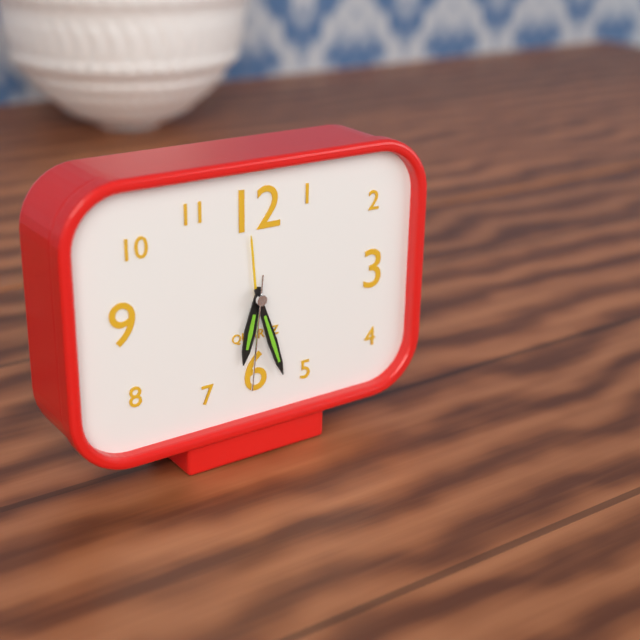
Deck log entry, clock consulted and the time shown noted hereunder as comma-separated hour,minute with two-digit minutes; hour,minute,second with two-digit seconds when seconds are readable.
6,27,31
